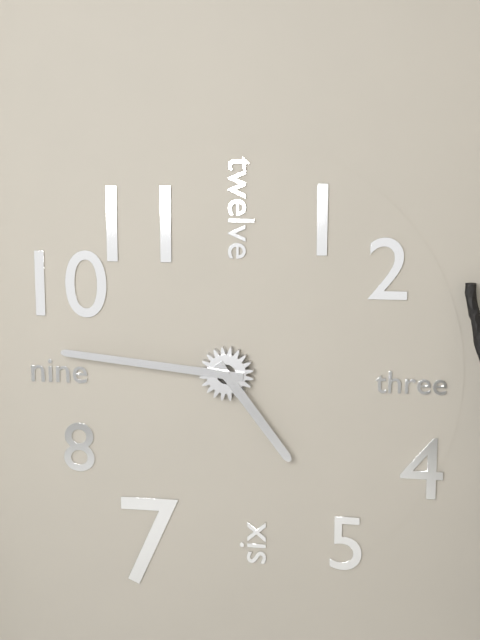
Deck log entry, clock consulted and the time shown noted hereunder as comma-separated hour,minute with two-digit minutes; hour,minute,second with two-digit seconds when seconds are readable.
4,46
